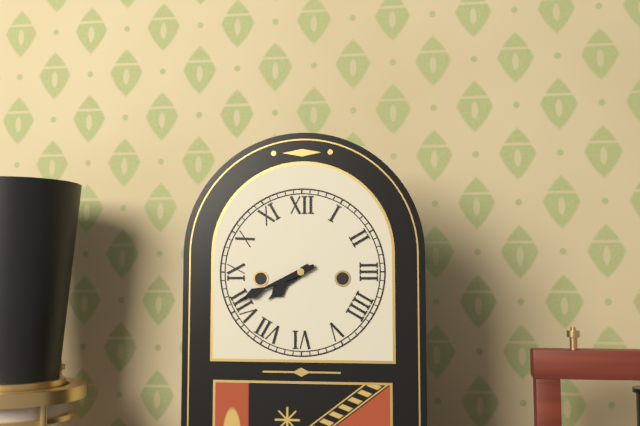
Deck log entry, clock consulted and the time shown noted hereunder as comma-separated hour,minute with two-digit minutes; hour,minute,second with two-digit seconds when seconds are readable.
7,41
